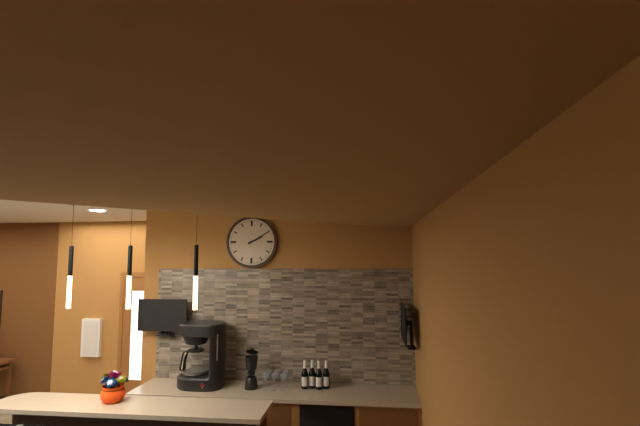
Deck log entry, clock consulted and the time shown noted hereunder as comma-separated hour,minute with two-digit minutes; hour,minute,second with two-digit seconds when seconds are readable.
2,10
